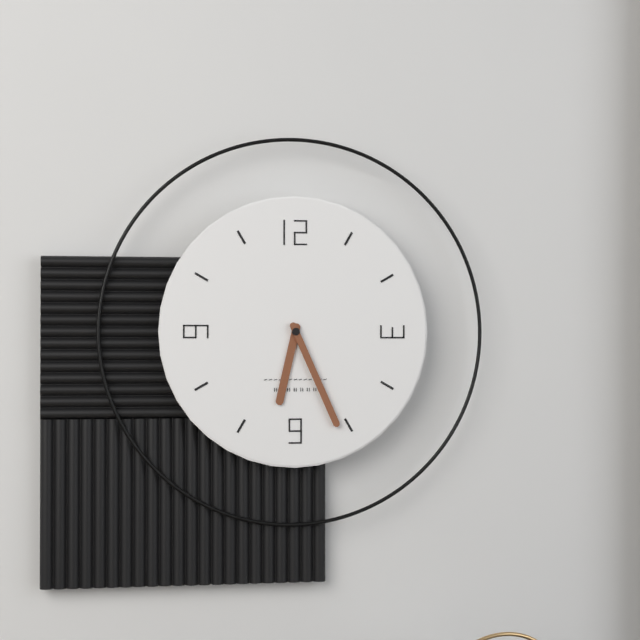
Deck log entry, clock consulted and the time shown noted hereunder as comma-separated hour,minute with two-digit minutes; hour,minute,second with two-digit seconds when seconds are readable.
6,26
